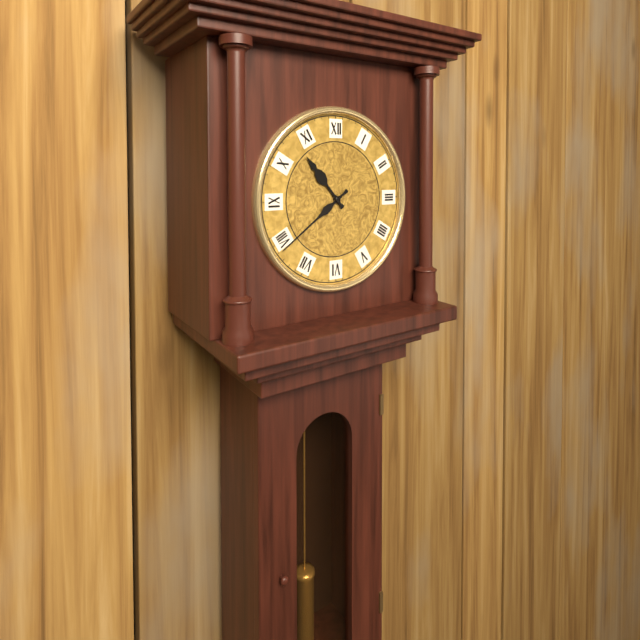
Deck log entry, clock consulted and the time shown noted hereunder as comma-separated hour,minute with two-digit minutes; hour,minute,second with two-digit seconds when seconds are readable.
10,39
